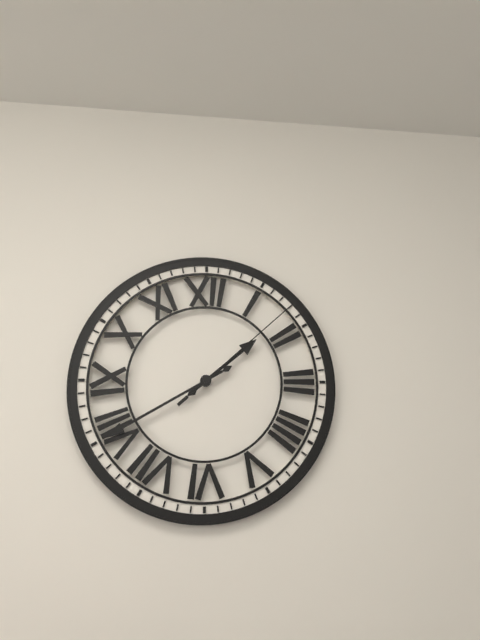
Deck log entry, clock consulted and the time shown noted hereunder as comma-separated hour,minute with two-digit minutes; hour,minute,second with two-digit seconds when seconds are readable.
1,40,08
